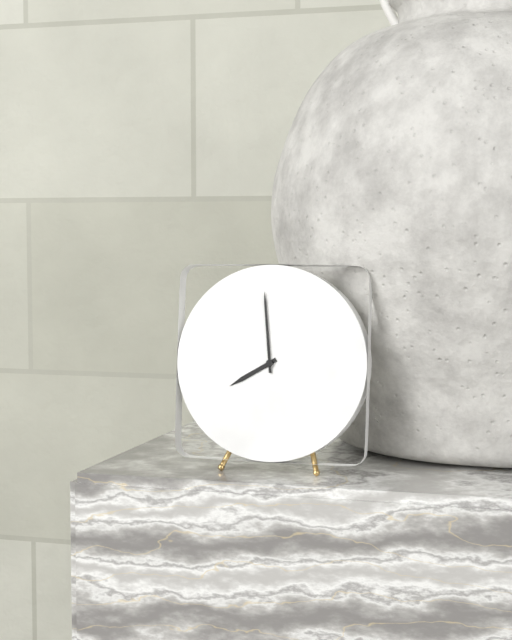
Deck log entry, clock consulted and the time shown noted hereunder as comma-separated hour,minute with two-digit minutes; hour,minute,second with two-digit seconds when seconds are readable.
7,59
